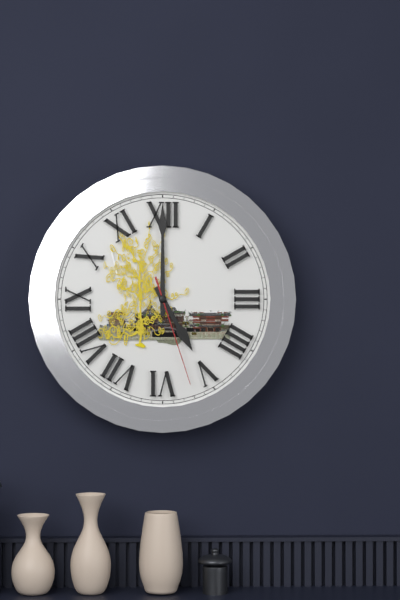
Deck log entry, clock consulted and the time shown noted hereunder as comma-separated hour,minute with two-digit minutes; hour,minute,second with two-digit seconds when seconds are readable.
5,00,27
